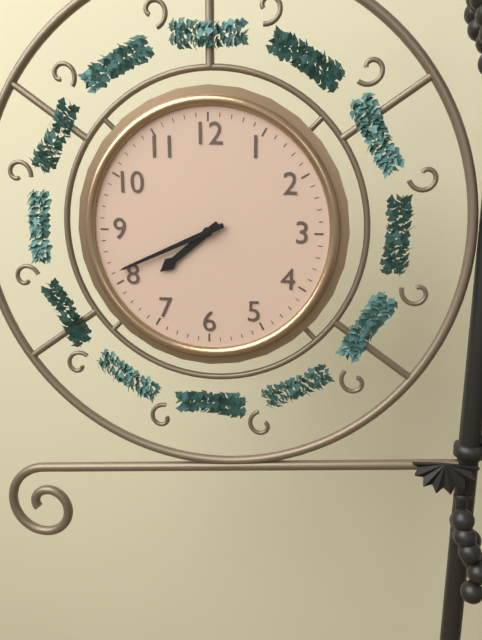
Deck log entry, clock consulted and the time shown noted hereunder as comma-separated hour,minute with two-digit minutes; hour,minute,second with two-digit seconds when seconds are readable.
7,41
